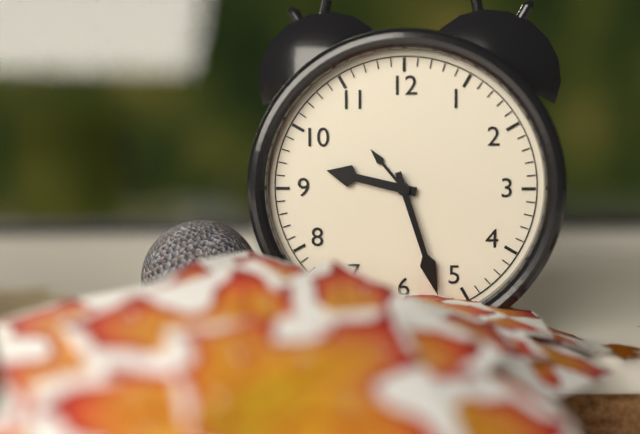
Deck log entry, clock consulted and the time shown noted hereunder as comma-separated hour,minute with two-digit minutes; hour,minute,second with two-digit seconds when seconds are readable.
9,27
